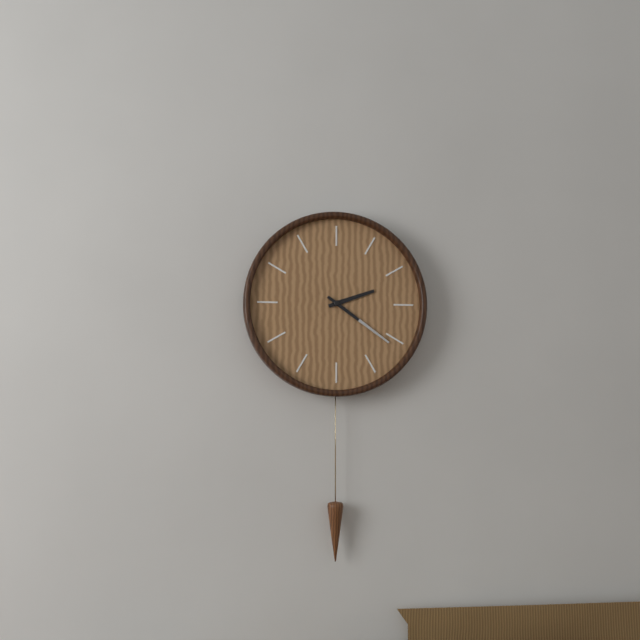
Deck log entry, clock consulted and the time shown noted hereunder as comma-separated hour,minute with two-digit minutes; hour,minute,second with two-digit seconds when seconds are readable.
2,21
